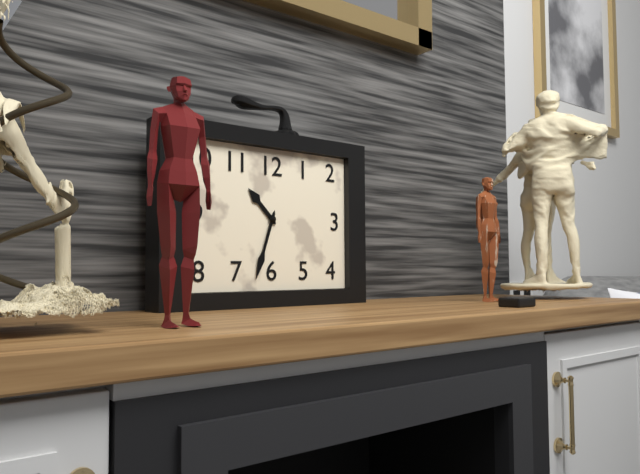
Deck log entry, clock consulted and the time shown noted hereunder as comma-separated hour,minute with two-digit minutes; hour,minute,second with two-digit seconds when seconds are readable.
10,33
